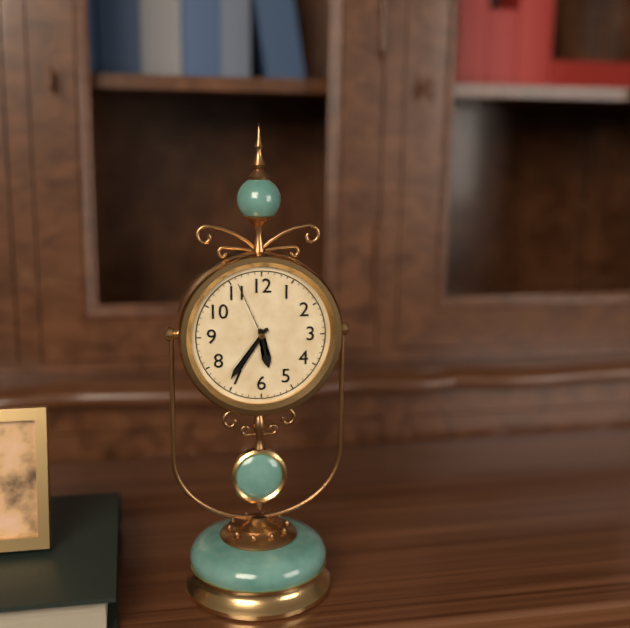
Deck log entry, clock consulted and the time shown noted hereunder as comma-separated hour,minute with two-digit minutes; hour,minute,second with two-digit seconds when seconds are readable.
5,36,56
